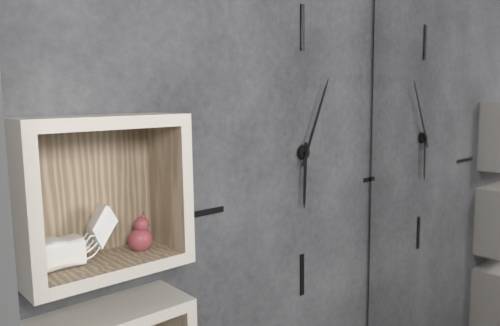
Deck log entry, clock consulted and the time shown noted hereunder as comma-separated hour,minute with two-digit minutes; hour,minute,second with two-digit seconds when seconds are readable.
6,04
